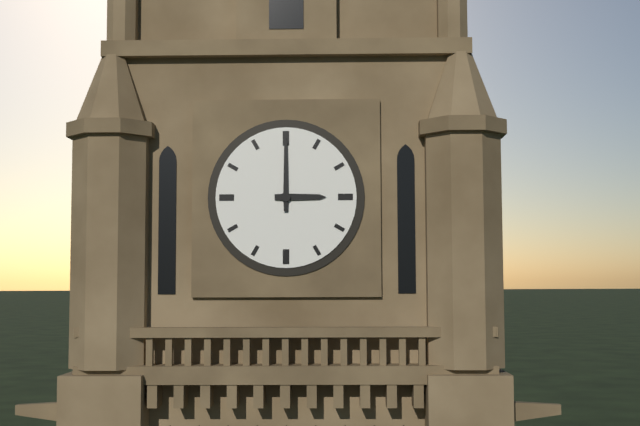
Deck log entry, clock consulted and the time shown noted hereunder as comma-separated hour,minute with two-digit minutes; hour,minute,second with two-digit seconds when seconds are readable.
3,00
